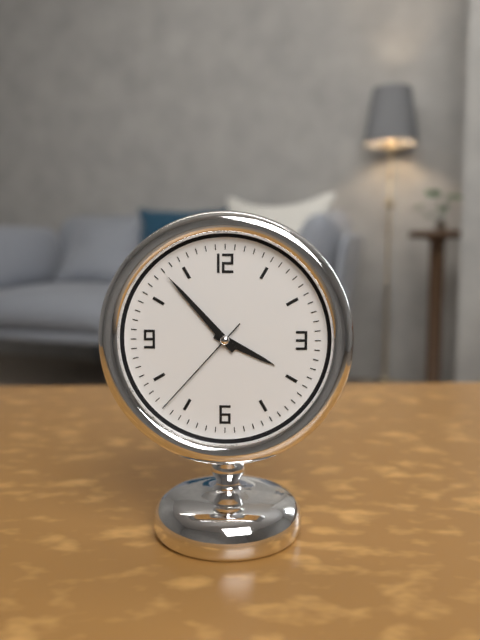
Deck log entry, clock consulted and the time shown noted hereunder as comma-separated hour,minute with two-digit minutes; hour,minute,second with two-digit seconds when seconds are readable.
3,53,37
